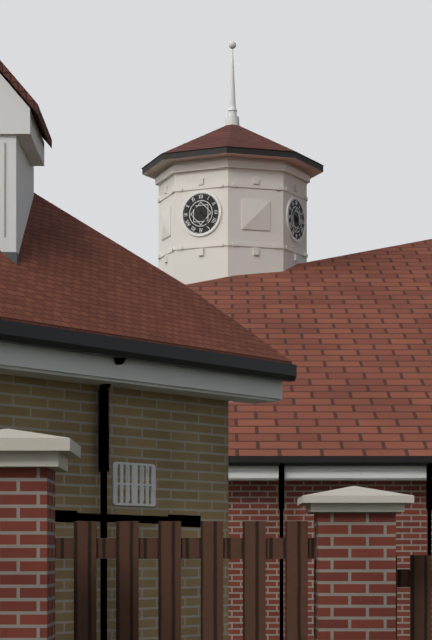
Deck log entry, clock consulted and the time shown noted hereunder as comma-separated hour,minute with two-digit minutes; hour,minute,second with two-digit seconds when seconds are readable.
10,24
